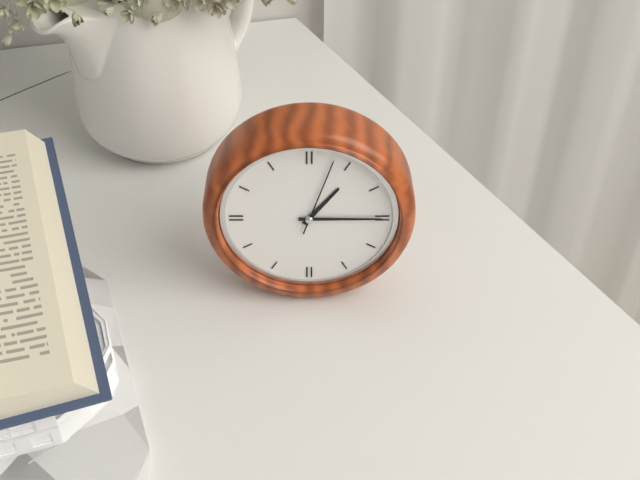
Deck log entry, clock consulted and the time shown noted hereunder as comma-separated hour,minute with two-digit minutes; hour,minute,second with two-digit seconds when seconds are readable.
1,15,03
